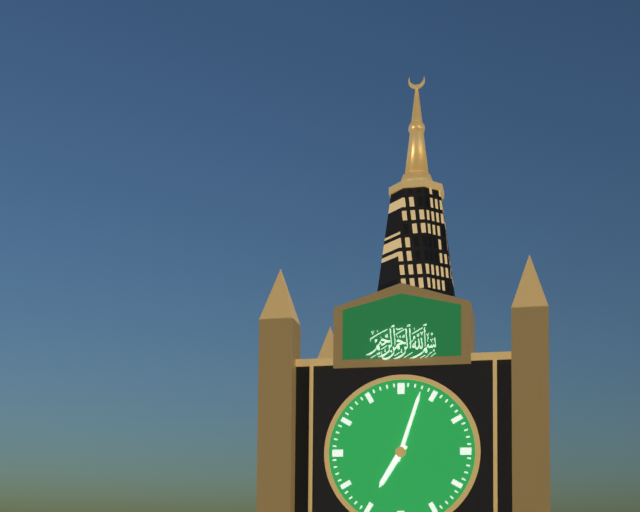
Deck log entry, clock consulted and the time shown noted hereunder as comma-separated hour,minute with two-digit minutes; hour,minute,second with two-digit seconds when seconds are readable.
7,03
